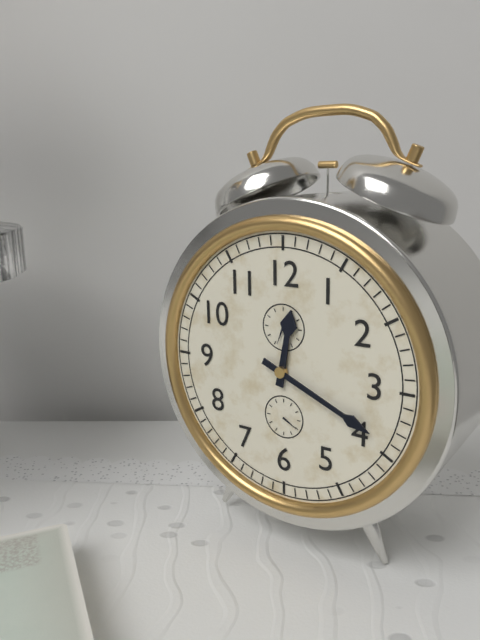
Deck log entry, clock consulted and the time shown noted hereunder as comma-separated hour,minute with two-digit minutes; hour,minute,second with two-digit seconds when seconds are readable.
12,19
